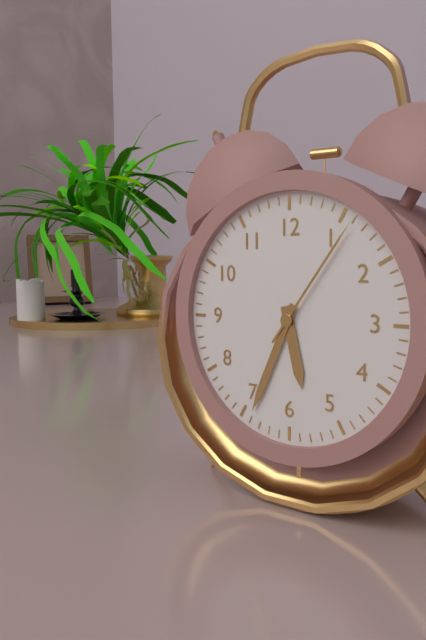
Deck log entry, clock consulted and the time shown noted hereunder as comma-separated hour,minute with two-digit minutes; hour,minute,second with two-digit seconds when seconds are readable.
5,34,06
